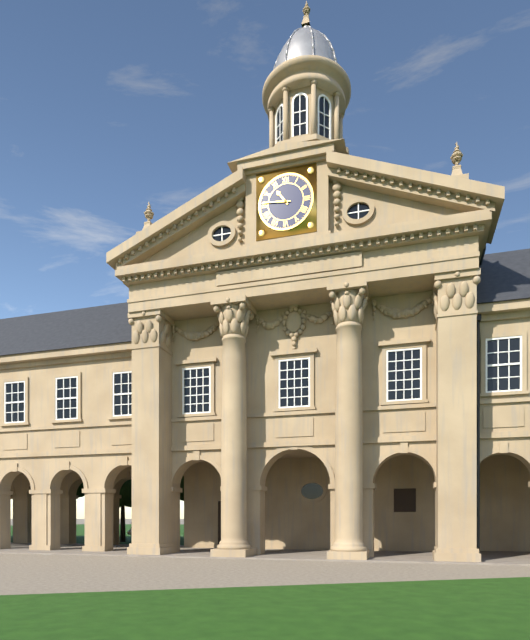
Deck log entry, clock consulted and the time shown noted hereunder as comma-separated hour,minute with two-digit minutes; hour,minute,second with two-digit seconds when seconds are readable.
10,46
